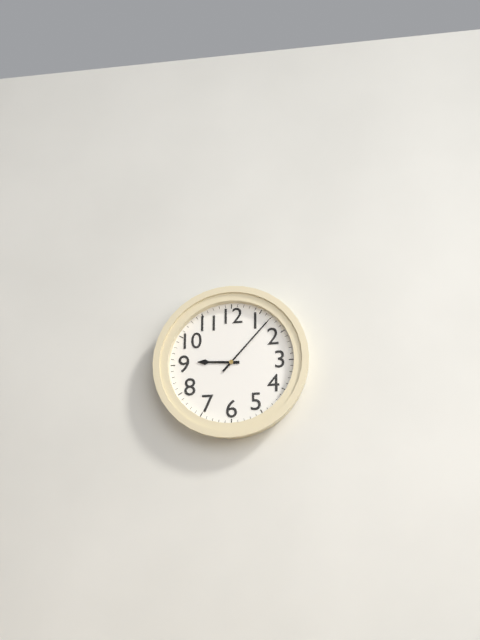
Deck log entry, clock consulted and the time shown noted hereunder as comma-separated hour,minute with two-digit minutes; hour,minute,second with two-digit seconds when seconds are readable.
9,07
